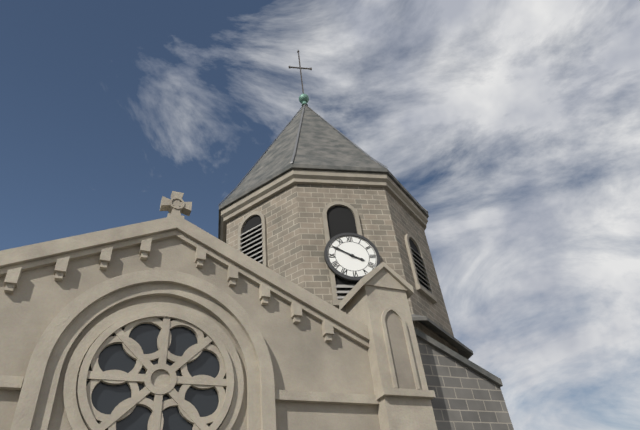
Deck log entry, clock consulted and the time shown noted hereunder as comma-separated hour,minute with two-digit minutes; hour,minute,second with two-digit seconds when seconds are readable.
3,50
